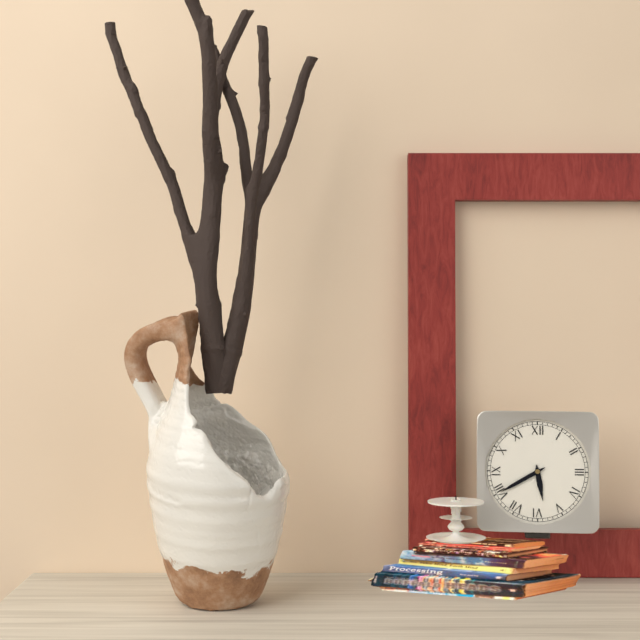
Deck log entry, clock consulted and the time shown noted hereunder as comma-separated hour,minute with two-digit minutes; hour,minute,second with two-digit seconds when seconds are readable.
5,40
